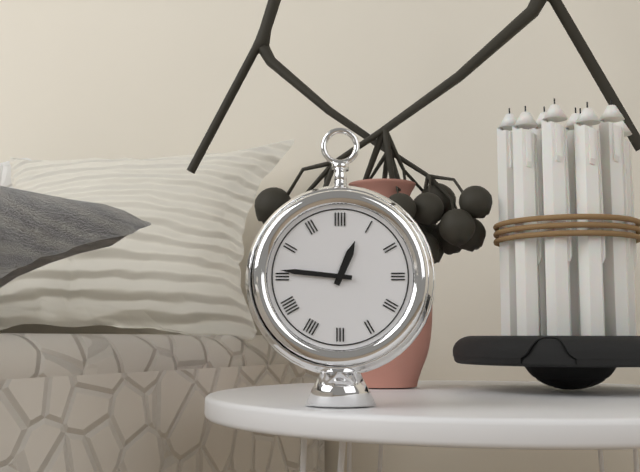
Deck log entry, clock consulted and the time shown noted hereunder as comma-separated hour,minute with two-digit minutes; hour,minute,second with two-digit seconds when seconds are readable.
12,46
